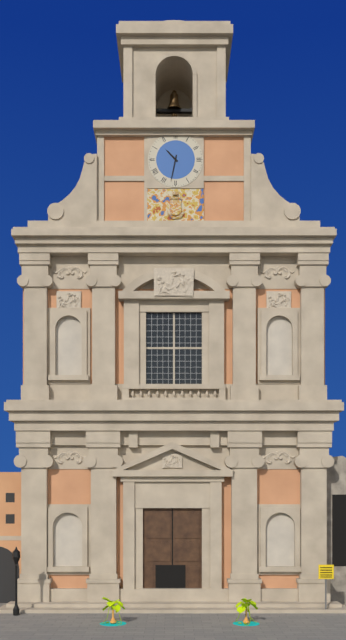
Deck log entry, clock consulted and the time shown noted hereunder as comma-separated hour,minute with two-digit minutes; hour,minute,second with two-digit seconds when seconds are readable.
10,32
